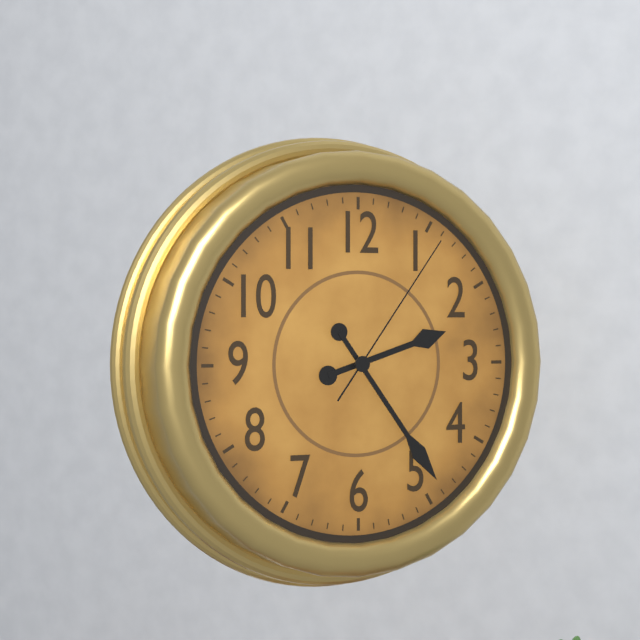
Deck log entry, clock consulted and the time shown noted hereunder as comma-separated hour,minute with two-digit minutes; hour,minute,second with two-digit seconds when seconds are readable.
2,24,06
